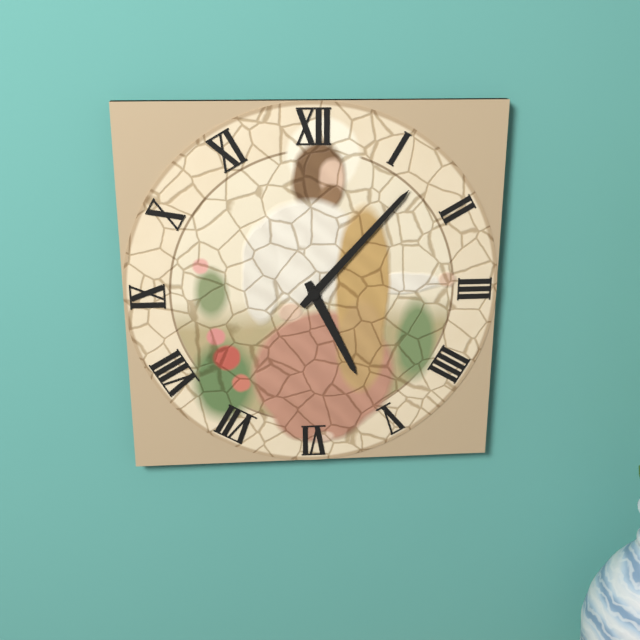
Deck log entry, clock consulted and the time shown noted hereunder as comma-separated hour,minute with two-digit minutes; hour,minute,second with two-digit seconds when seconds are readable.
5,07
